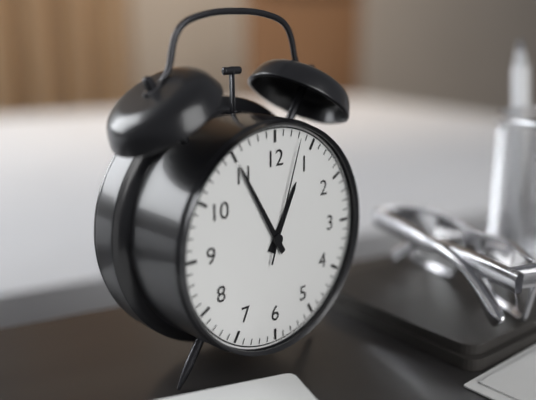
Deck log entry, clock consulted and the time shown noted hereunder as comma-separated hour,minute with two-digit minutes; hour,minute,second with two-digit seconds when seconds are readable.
12,55,03
